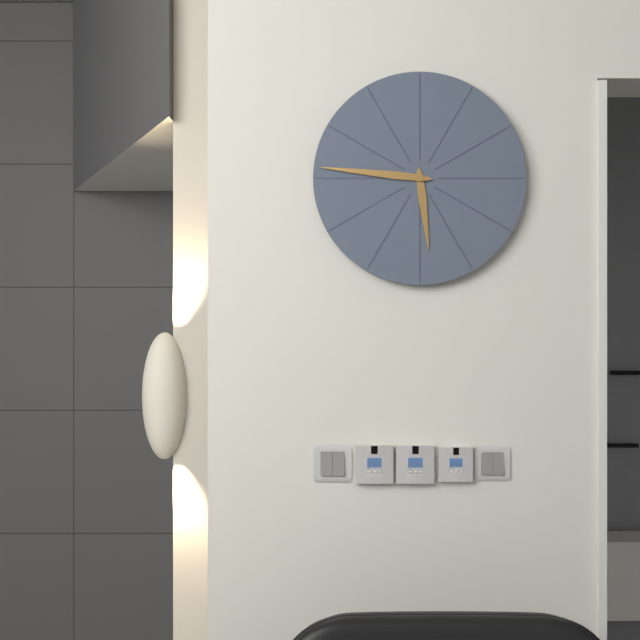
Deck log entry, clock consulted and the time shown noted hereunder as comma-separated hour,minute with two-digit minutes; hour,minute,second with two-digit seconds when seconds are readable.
5,46
